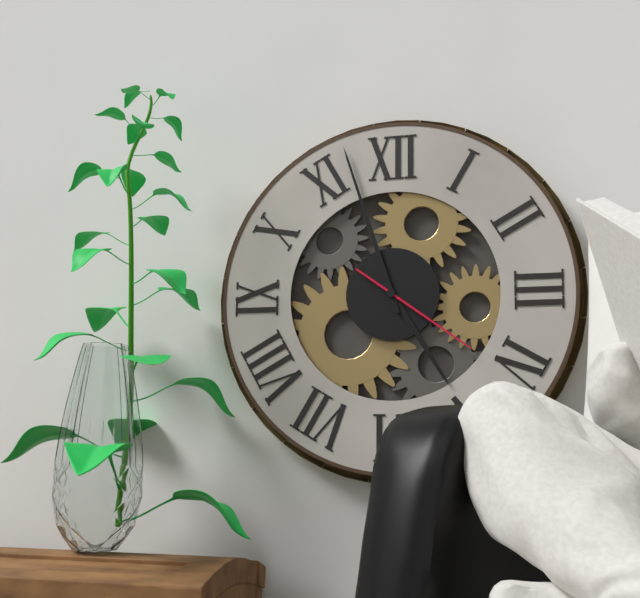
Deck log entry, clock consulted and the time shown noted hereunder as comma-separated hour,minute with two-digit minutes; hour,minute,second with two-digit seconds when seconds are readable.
4,57,21
